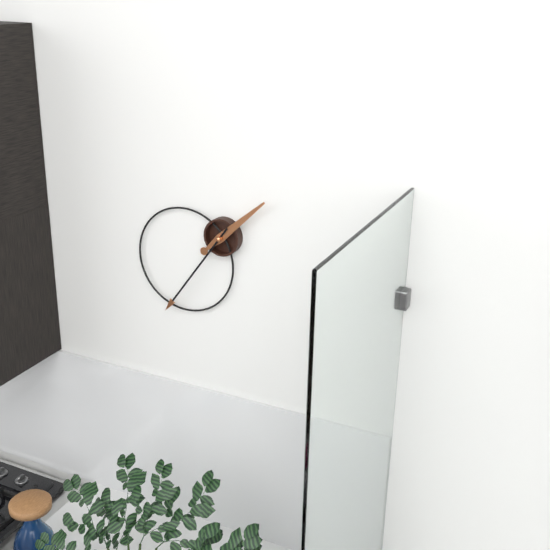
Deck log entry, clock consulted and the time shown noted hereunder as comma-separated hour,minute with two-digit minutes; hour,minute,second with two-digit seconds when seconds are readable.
1,36
